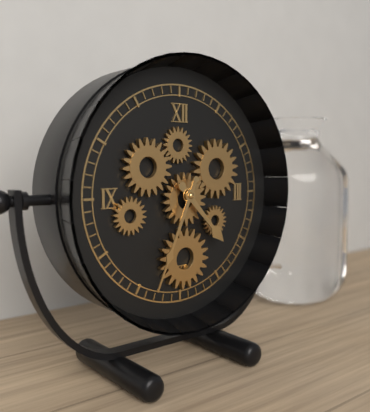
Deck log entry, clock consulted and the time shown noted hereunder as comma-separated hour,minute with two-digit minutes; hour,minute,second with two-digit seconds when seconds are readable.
4,34
